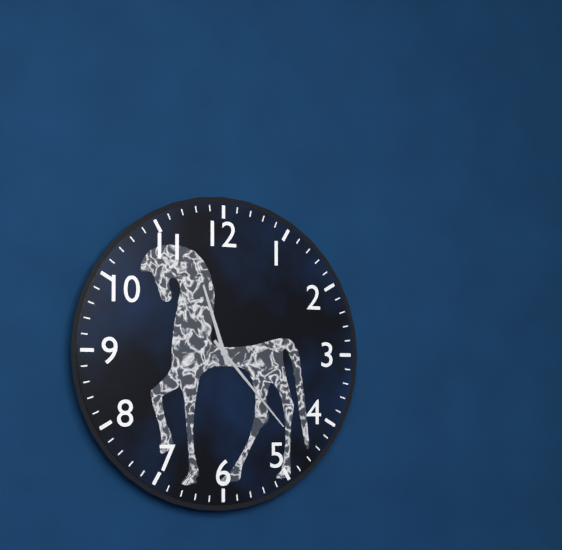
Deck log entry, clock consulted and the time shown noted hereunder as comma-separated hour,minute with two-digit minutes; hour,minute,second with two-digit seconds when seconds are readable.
11,23
